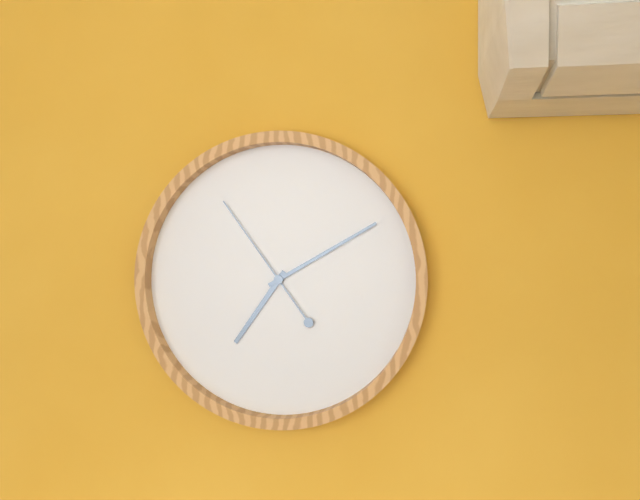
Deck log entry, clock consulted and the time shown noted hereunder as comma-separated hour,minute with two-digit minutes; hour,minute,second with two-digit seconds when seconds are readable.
7,10,54
